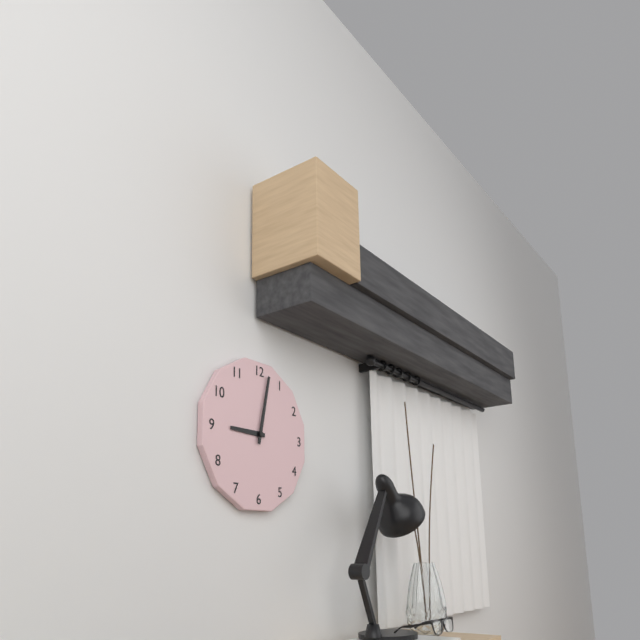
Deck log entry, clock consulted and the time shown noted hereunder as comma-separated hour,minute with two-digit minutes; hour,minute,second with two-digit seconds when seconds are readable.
9,02
